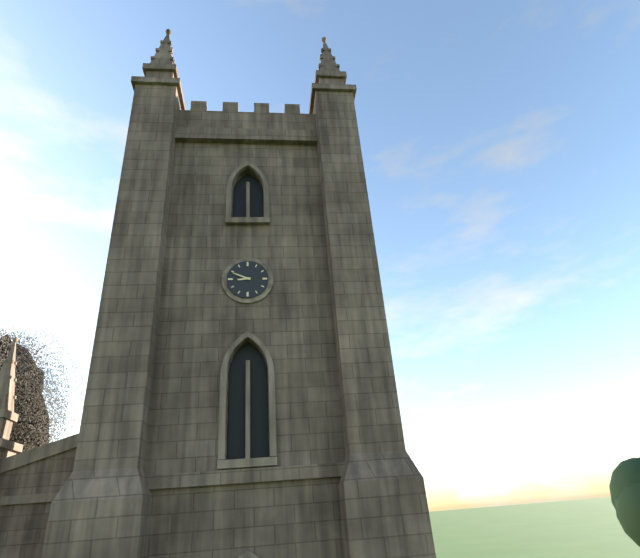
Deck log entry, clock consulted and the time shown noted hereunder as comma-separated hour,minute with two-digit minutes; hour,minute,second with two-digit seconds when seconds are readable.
8,49
